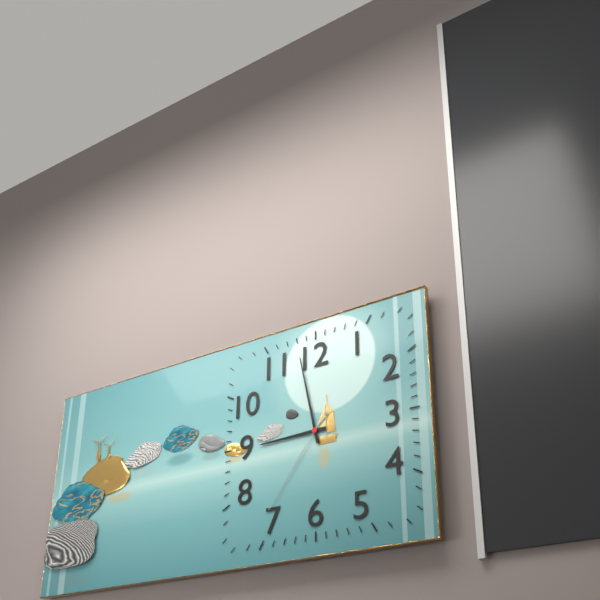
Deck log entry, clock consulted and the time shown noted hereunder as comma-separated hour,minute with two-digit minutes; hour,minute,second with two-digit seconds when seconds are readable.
8,58,36
